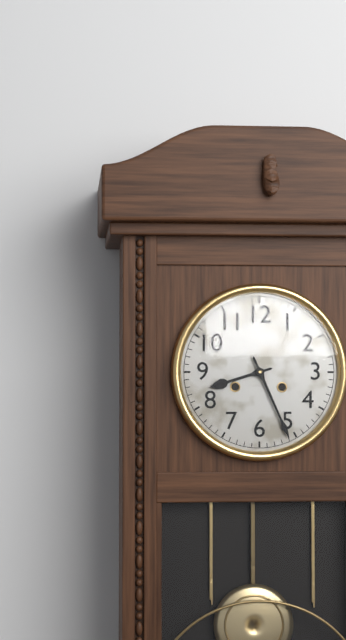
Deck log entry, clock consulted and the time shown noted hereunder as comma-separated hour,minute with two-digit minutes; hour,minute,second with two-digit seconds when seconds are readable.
8,26
